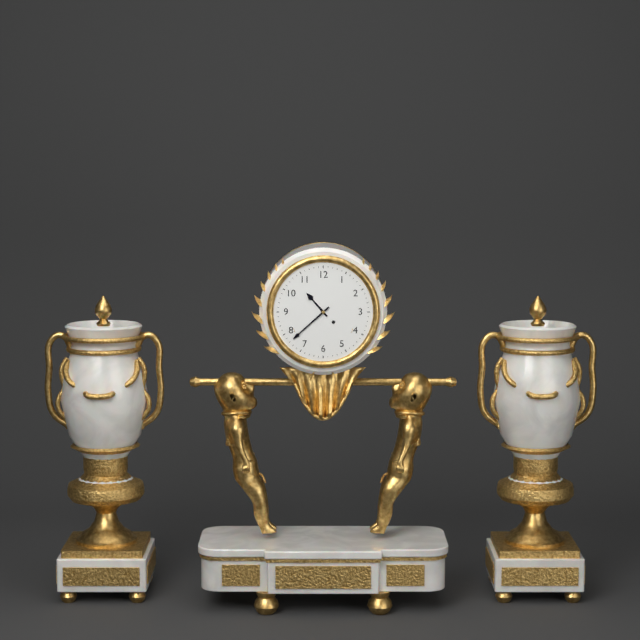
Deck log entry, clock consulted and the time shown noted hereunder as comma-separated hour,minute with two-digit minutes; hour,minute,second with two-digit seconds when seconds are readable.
10,38
